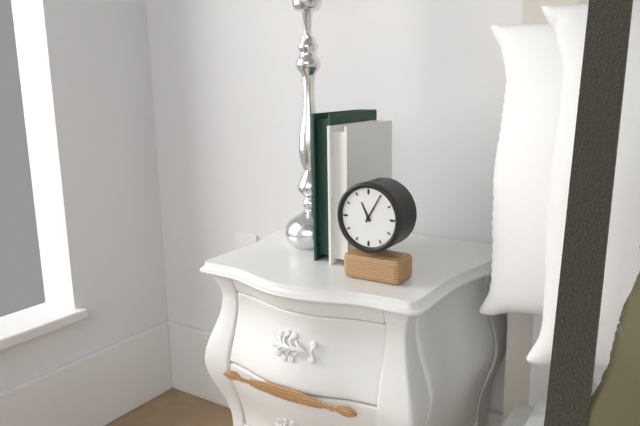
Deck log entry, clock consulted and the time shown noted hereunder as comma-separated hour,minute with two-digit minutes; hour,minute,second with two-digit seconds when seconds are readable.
11,05
